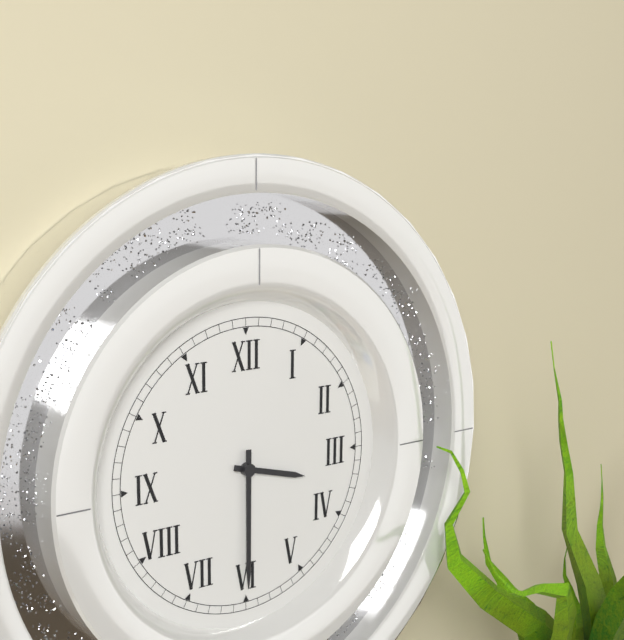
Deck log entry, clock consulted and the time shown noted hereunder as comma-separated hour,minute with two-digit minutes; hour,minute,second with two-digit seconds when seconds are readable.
3,30
